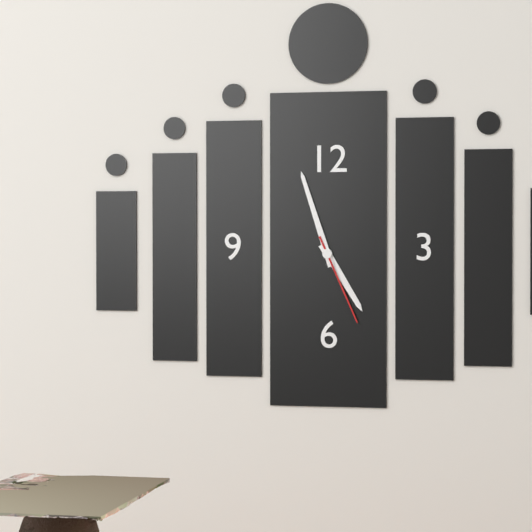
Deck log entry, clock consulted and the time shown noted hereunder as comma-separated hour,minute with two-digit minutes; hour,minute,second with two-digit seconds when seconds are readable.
4,57,26
